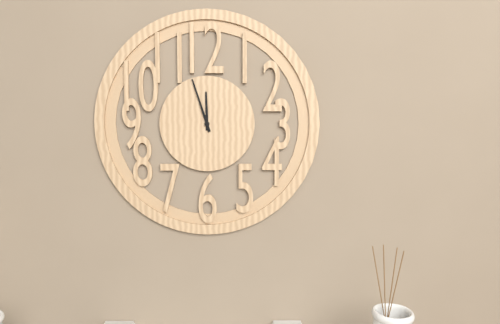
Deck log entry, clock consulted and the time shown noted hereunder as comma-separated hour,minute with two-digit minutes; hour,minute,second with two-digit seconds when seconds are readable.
11,57
